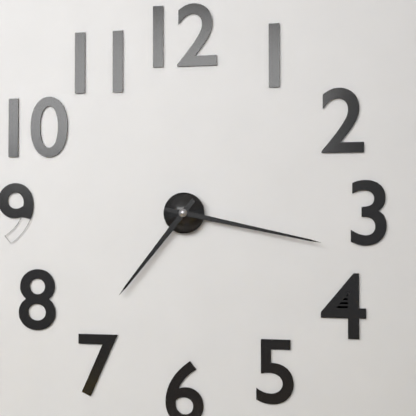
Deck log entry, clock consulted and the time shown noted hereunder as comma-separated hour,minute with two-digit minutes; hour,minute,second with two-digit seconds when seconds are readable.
7,17
